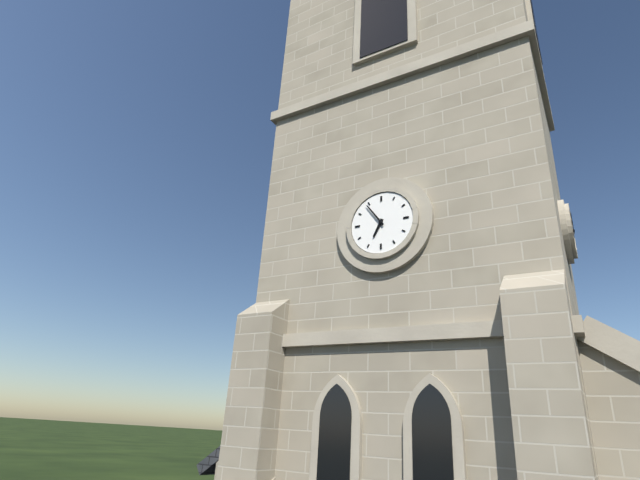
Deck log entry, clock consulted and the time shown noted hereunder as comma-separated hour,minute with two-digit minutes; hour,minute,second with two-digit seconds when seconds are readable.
6,54
